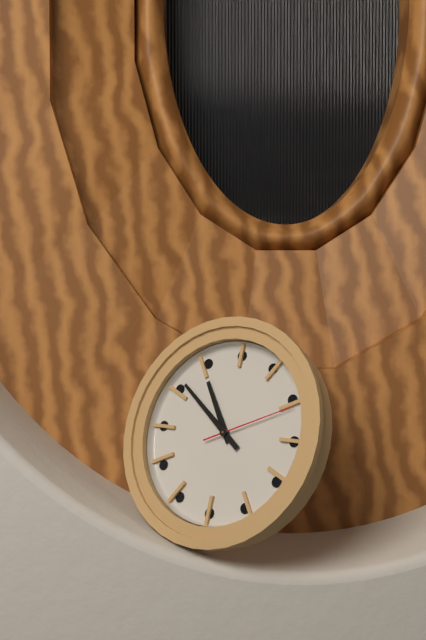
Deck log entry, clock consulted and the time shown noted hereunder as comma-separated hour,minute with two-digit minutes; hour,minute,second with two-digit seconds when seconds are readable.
10,51,11
